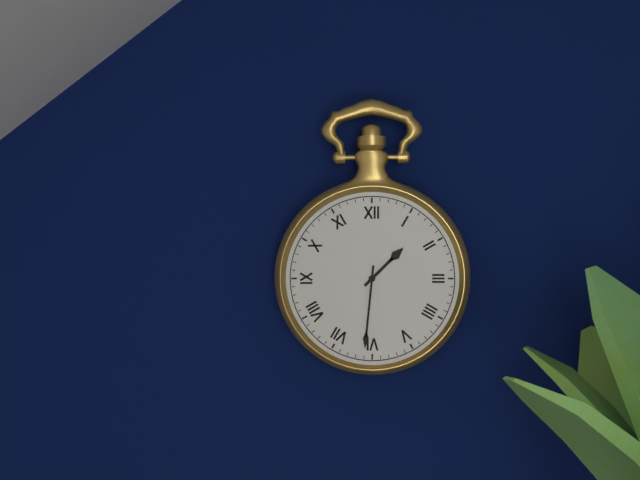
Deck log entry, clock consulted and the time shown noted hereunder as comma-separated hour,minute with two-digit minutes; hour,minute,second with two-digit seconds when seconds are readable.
1,31
